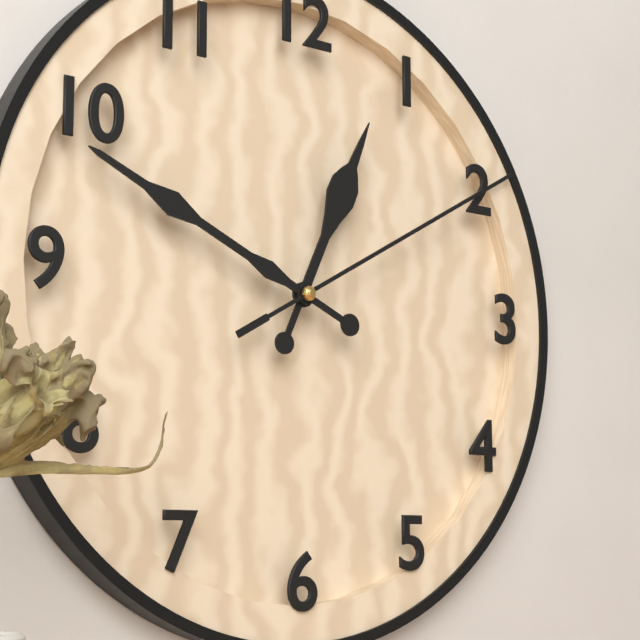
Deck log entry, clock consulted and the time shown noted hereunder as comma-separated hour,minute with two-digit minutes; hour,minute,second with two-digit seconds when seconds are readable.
12,49,10
